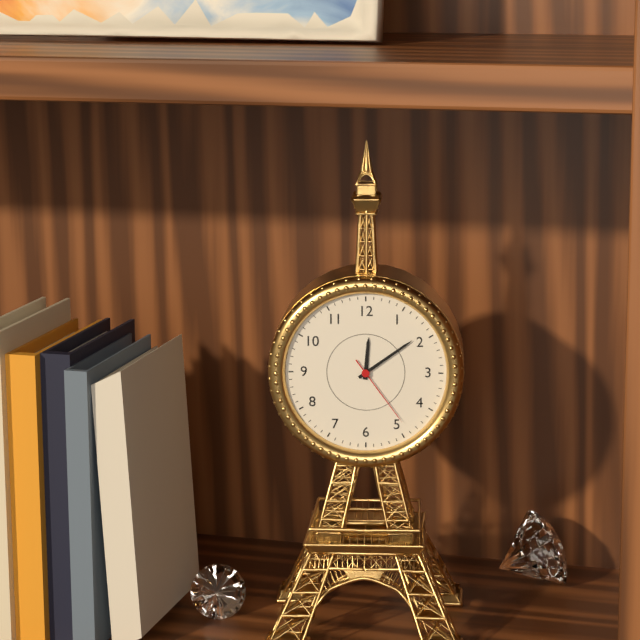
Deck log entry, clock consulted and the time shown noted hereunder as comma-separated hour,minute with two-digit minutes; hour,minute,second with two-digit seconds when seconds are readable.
12,09,24
